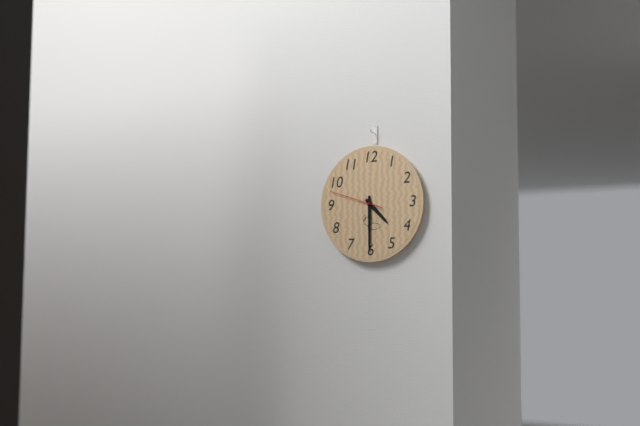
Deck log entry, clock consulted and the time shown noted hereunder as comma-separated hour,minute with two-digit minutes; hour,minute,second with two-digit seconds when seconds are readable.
4,30,48
